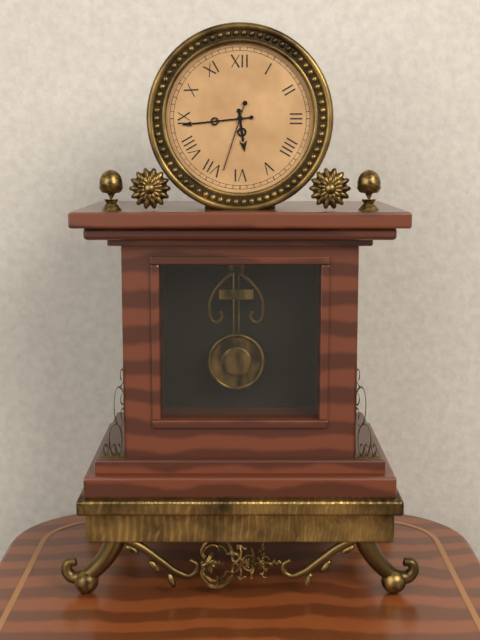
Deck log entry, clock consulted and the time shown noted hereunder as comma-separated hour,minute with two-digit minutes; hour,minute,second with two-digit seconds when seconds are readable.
5,44,33
